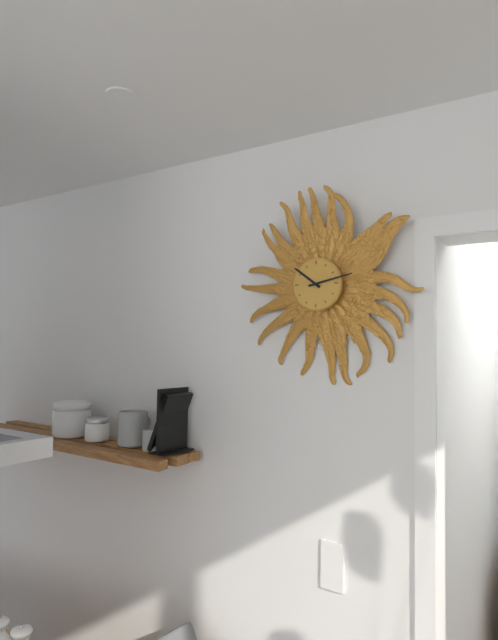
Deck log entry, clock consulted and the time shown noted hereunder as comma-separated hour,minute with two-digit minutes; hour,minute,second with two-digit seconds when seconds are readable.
10,13
